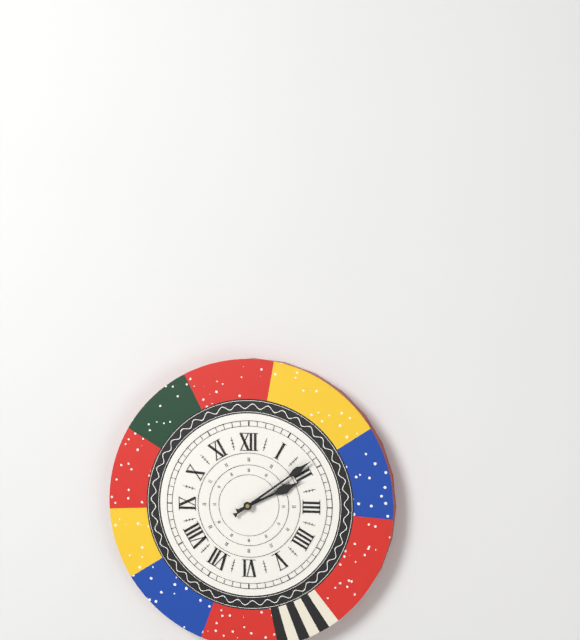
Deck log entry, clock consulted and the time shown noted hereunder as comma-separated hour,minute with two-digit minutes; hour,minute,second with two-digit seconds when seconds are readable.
2,09
